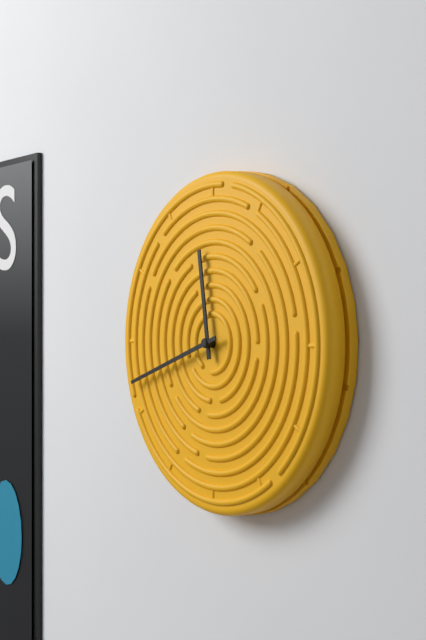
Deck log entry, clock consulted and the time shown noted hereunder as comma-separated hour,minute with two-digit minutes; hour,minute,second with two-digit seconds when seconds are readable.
11,42
